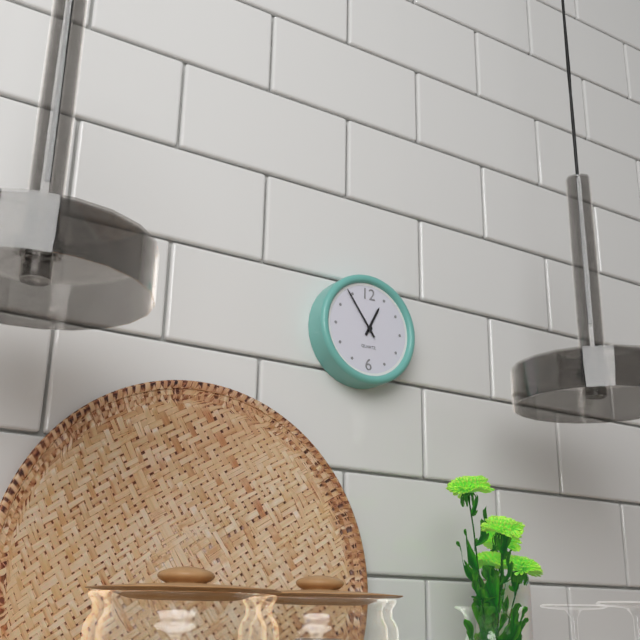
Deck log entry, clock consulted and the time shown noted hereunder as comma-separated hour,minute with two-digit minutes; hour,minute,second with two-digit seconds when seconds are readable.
12,54
